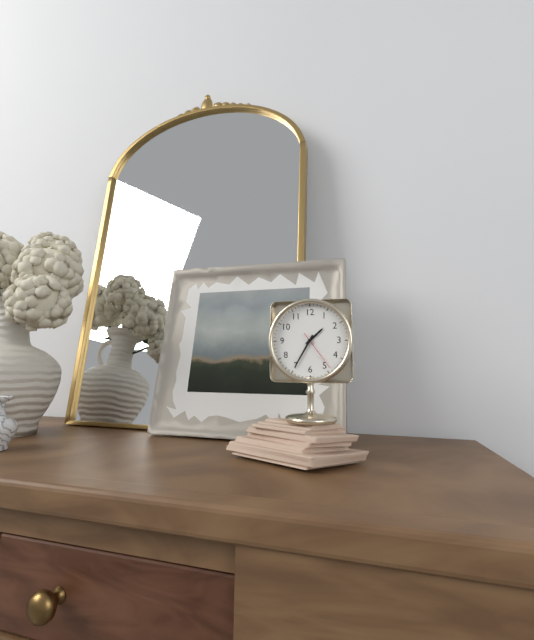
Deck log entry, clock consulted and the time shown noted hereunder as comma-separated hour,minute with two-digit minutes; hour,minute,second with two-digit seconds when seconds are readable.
1,35
